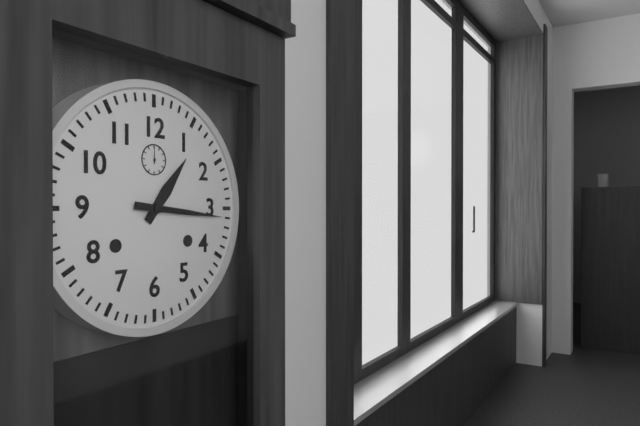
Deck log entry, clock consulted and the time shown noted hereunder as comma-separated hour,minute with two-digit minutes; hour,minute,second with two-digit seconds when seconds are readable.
1,16
